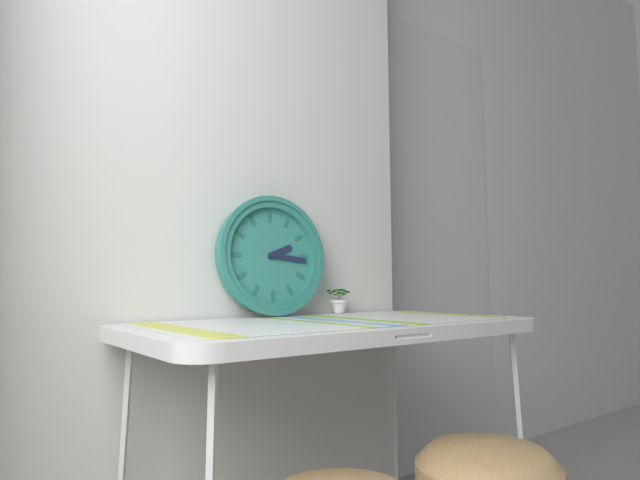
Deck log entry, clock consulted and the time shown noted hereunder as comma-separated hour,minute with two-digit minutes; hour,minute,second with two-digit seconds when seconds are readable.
2,16
